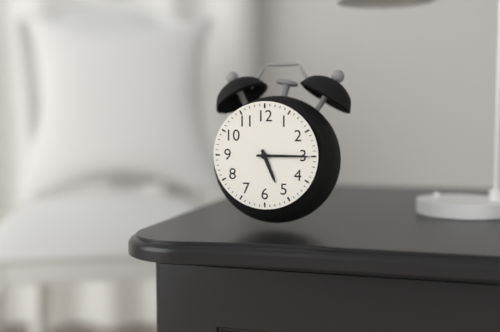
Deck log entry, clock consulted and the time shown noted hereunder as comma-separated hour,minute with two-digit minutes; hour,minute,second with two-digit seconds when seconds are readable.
5,15
